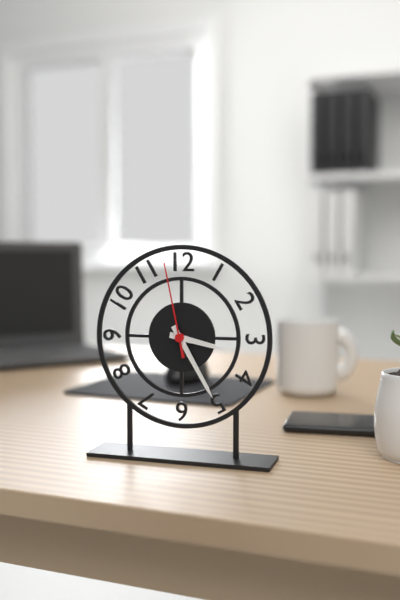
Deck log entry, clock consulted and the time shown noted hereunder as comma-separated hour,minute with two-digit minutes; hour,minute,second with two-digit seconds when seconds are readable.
3,25,58
